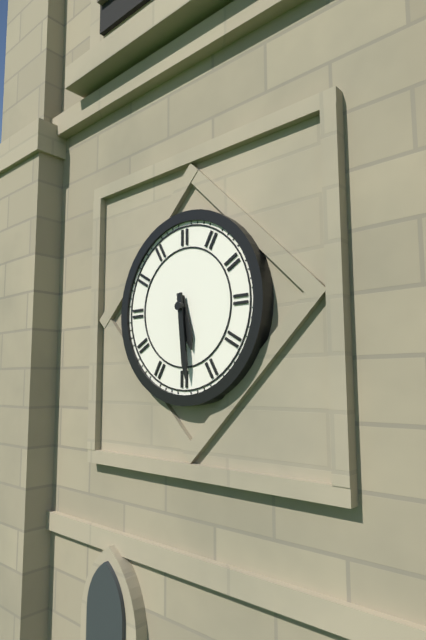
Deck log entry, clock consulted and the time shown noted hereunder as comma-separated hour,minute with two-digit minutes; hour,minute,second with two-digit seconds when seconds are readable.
5,29
